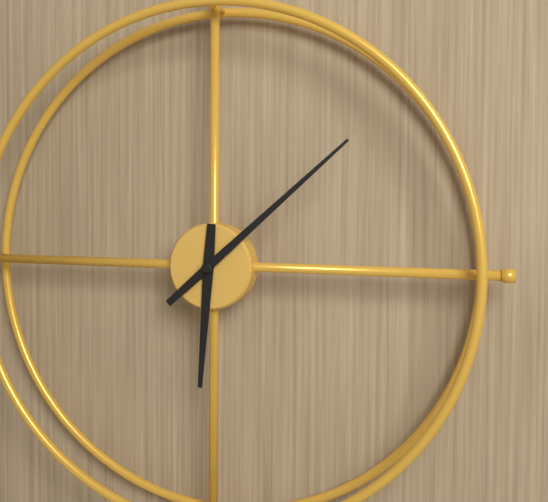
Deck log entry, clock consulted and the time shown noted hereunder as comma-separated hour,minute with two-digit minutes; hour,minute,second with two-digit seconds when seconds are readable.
6,08
